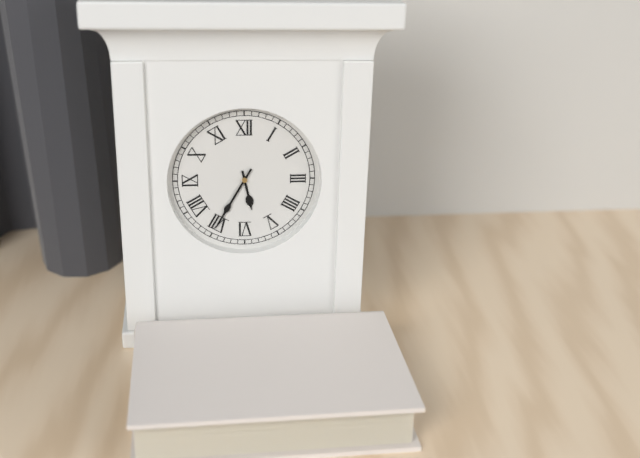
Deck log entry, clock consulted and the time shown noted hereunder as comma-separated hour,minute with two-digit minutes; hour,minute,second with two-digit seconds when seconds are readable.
5,35
